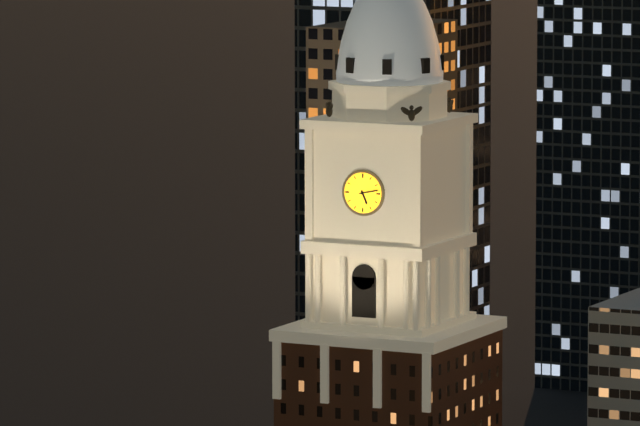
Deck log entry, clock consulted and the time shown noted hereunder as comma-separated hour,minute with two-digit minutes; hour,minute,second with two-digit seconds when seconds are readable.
5,13
